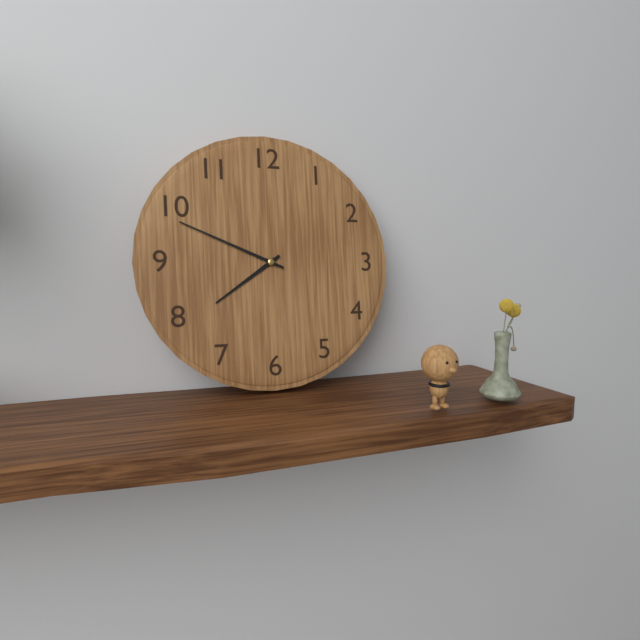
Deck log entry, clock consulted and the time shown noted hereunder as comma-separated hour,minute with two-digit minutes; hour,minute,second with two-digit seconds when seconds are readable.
7,49
